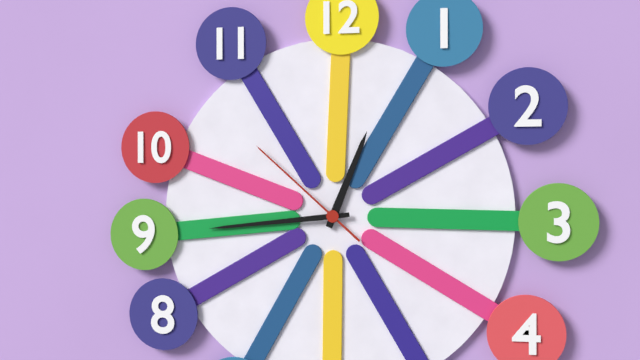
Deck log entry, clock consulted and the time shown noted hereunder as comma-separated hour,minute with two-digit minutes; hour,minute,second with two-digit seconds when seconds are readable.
12,44,52
